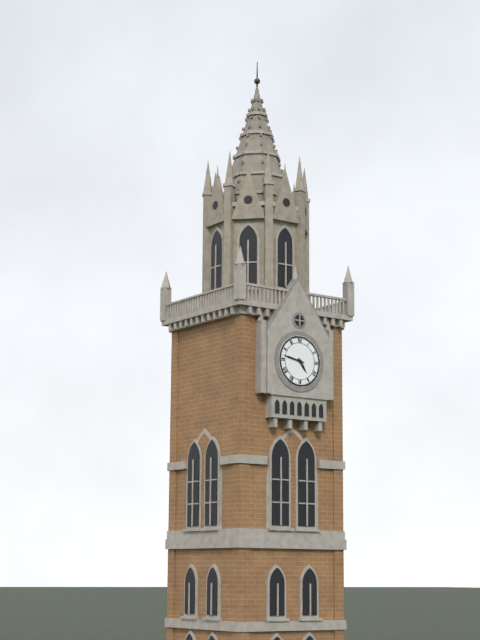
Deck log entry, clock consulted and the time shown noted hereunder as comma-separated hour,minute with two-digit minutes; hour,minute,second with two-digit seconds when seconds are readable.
4,47
